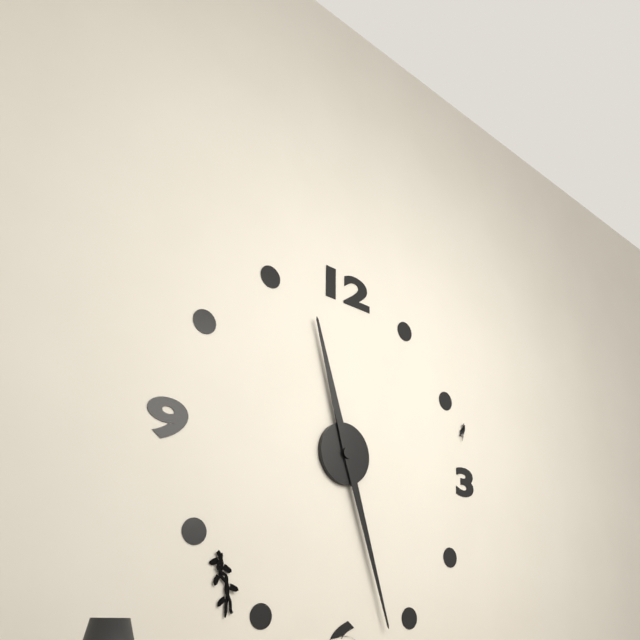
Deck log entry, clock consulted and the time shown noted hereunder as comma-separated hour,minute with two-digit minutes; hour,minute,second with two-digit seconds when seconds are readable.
11,27
